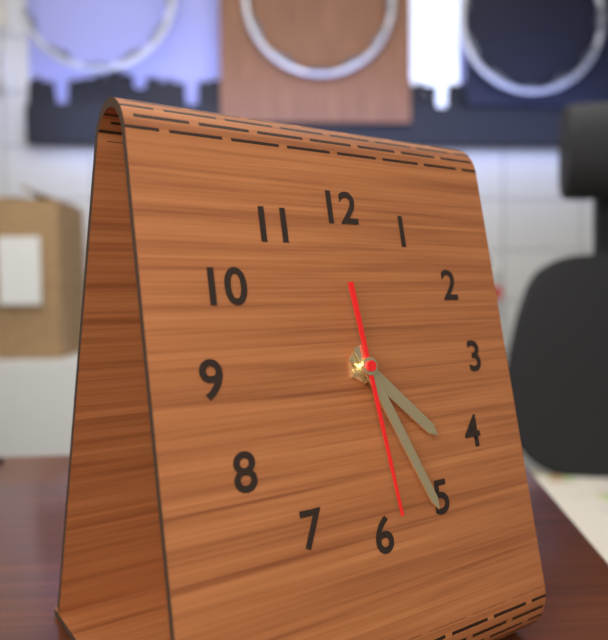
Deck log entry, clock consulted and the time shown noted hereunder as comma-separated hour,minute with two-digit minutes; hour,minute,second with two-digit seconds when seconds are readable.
4,26,29
